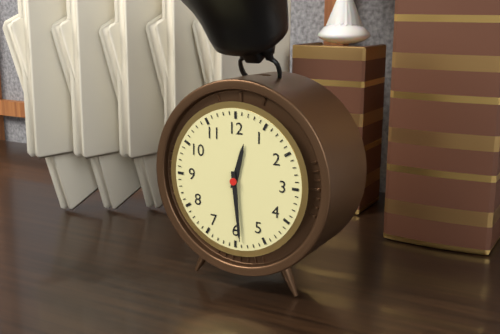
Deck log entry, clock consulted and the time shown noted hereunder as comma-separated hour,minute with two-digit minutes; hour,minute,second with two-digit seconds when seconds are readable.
12,29
